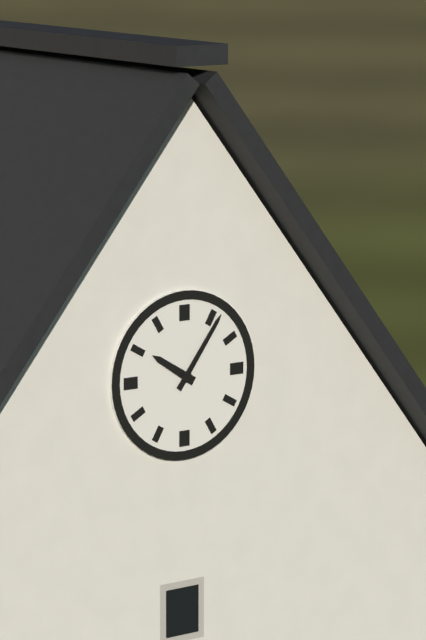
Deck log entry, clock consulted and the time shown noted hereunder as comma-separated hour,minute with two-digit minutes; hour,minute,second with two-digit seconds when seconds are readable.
10,06
